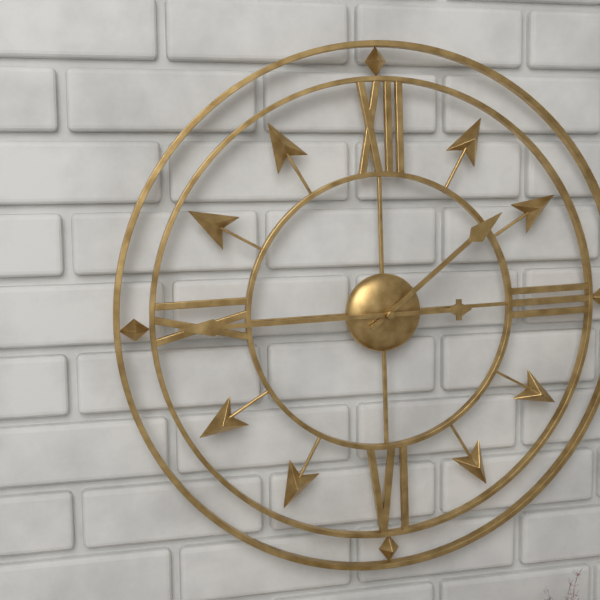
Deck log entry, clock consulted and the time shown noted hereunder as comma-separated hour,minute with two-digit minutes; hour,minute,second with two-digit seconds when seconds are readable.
1,45
